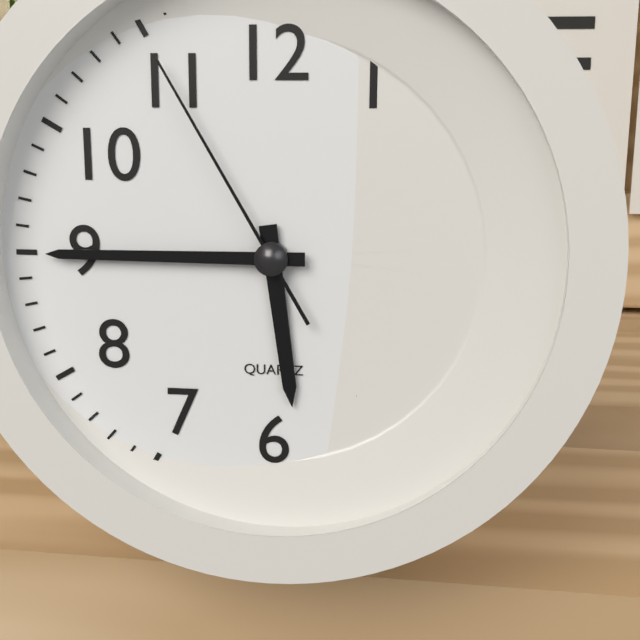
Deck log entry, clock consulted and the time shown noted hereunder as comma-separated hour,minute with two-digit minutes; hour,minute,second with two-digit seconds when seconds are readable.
5,45,55
